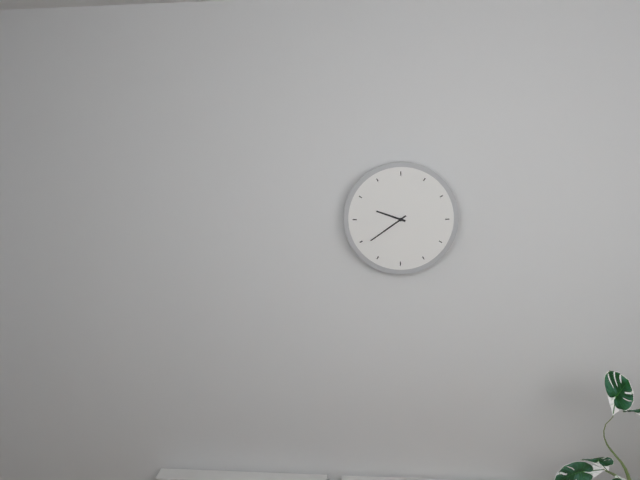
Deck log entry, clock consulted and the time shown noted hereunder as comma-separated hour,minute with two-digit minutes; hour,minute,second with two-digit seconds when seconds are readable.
9,39
